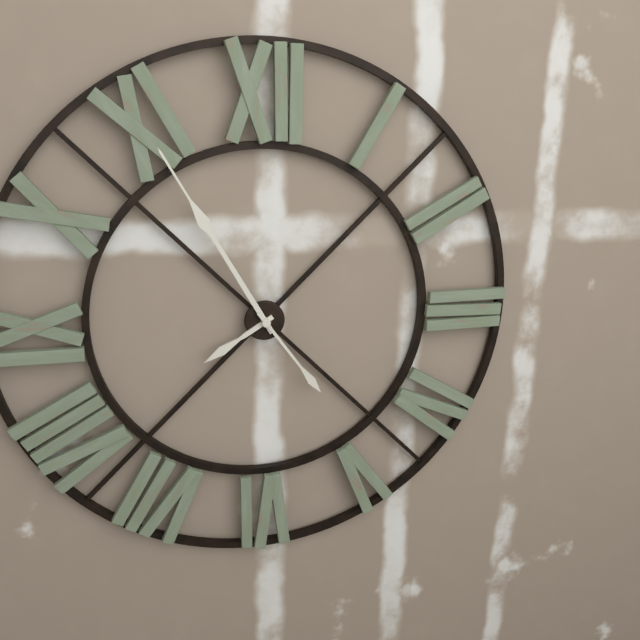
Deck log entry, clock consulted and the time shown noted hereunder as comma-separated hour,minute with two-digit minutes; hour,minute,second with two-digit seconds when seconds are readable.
7,55,24
